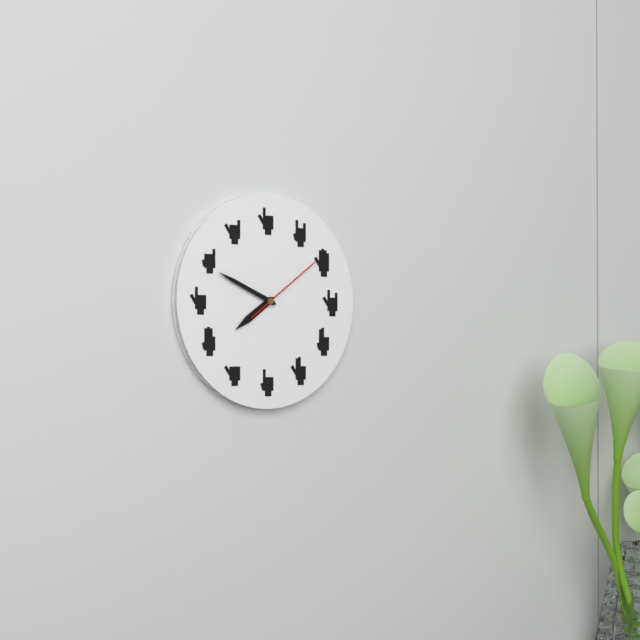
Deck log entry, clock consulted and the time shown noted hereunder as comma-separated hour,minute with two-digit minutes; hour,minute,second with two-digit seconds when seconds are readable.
7,49,09
